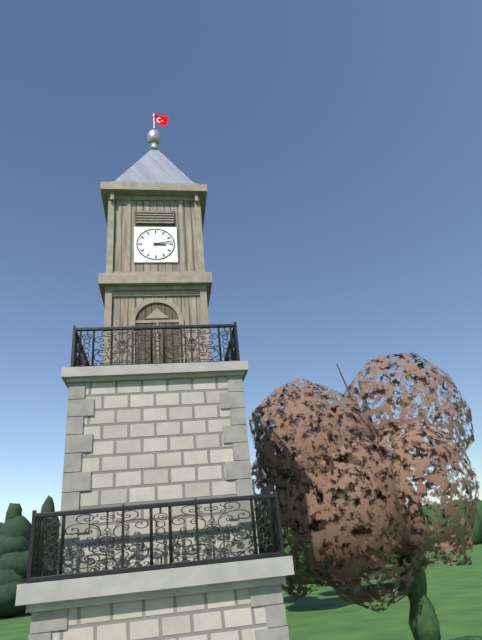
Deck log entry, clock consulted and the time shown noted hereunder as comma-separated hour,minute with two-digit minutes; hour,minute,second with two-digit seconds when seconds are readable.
3,13
